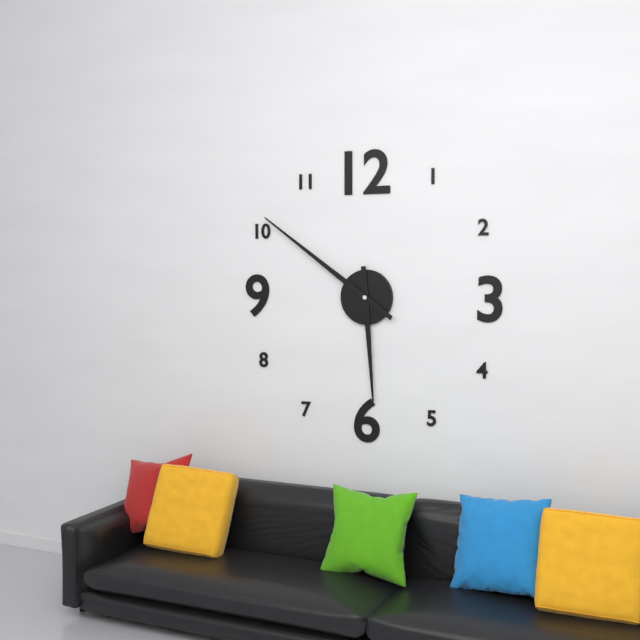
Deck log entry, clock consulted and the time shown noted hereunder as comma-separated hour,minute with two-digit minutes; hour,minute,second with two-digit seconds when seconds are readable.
5,51
